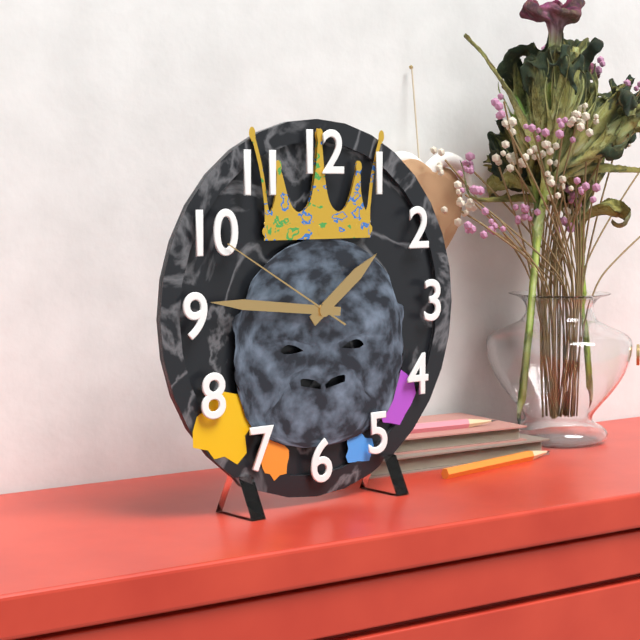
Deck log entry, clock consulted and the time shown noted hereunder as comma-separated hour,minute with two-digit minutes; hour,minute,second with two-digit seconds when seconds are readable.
1,46,50
